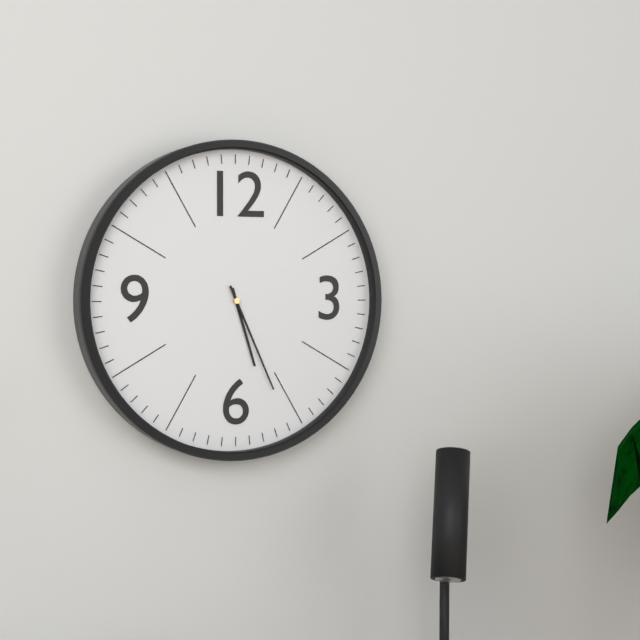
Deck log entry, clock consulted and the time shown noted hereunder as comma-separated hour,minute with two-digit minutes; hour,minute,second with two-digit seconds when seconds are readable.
5,26
